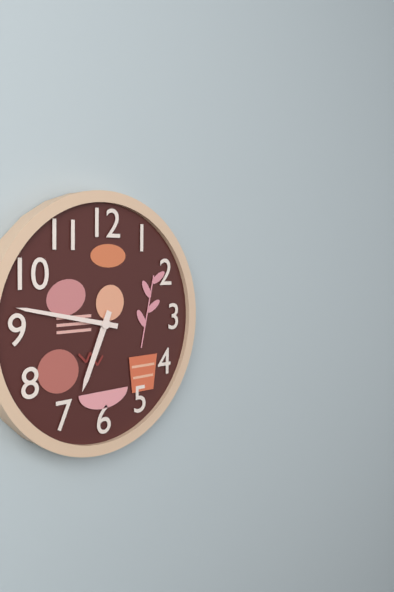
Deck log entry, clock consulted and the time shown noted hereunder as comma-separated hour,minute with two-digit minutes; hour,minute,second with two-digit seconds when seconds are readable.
6,47
